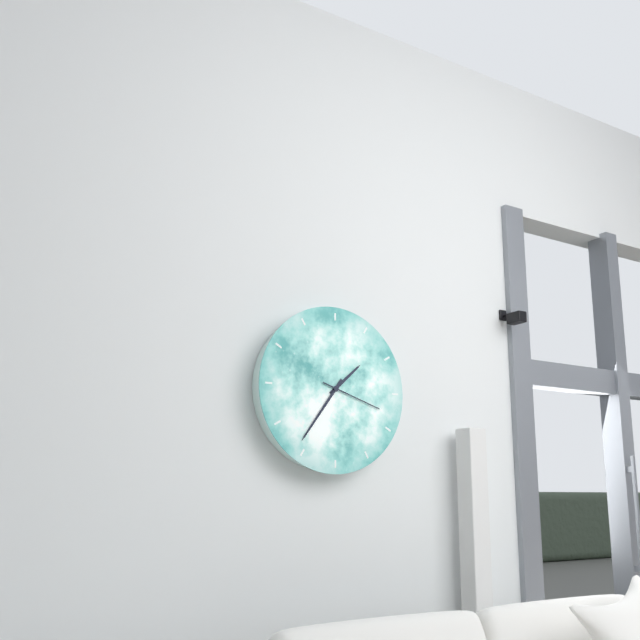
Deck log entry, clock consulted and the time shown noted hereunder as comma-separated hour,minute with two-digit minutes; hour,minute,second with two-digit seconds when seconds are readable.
1,36,18
